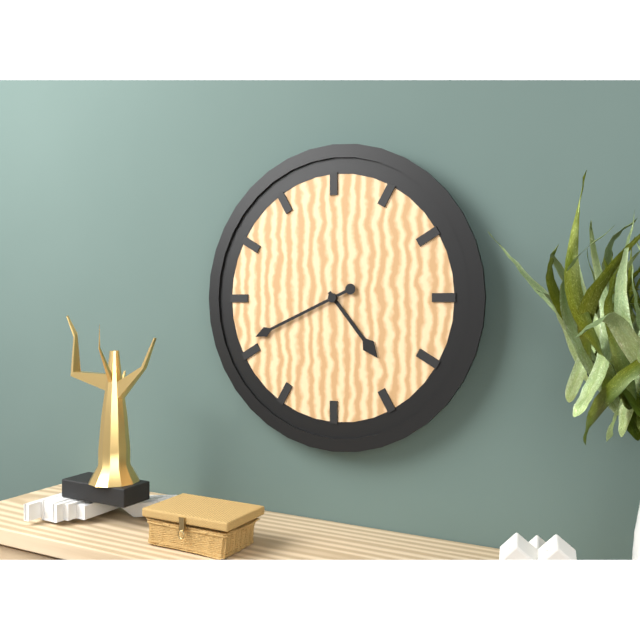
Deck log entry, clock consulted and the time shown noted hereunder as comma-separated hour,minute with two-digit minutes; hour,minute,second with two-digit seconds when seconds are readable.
4,41
